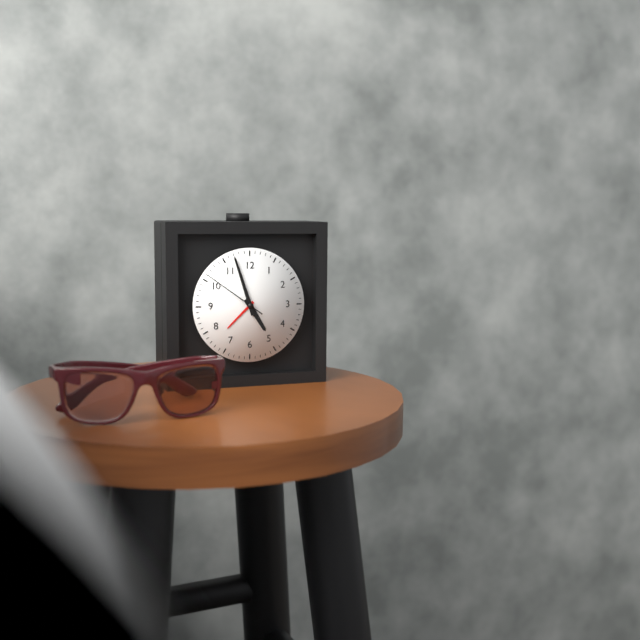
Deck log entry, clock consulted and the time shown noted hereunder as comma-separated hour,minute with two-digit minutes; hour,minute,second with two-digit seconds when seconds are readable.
4,57,51
